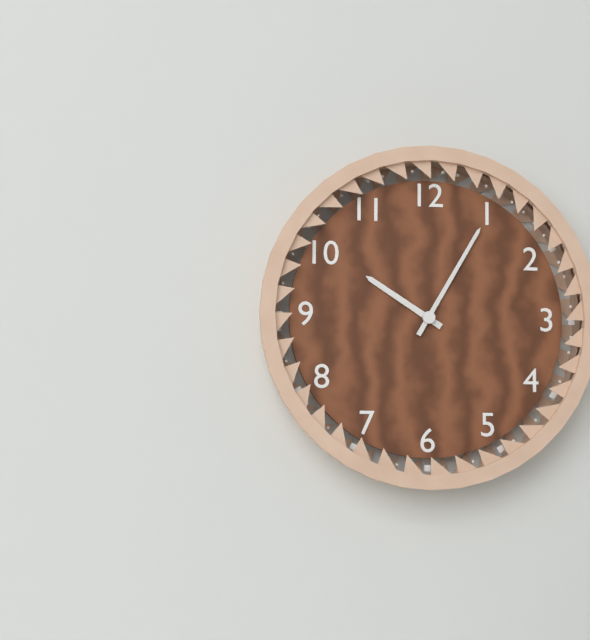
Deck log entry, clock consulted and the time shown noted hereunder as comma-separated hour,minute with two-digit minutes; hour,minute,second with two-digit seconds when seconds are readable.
10,05
